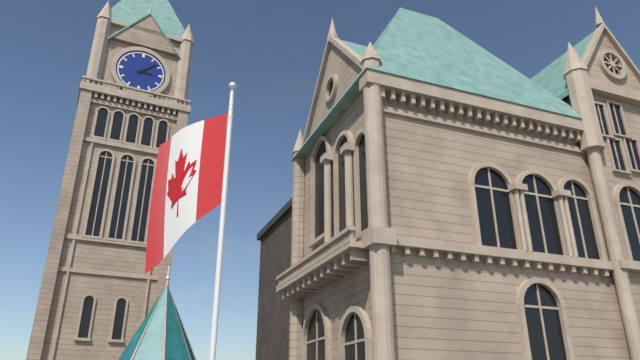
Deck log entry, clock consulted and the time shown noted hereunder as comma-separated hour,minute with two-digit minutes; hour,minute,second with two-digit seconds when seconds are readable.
3,08
